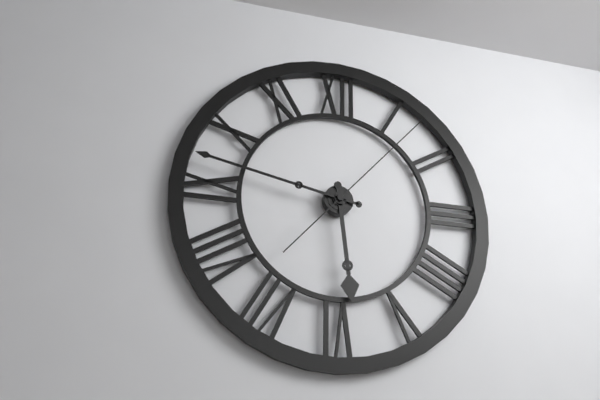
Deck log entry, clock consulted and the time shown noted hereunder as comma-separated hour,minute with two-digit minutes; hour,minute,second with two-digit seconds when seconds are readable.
5,47,07
